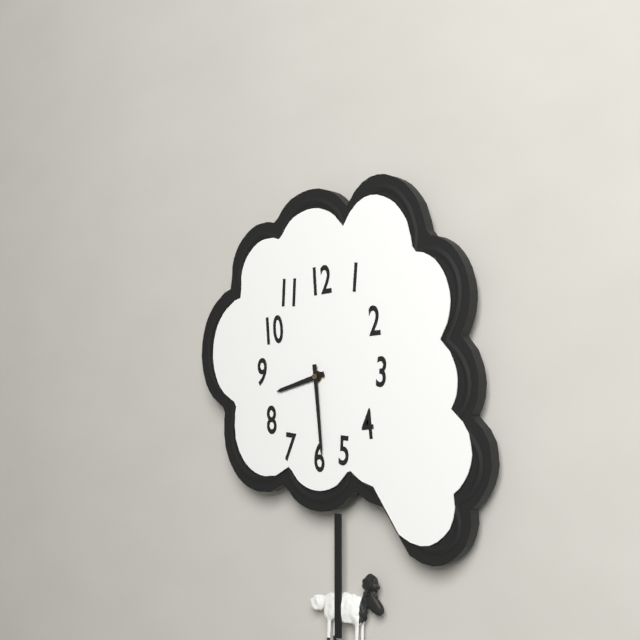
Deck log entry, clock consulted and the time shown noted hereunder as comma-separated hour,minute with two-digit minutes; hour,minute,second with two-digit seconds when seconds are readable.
8,29
